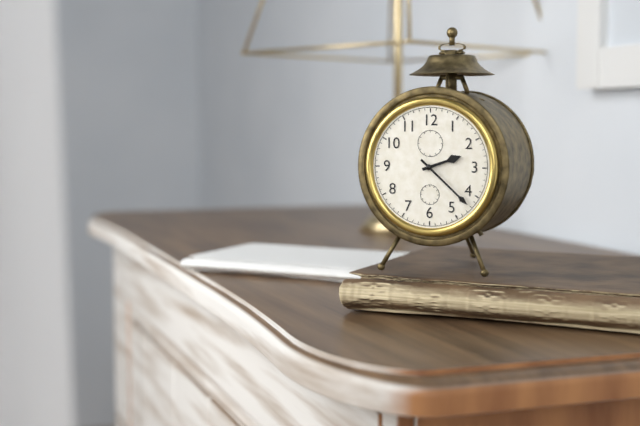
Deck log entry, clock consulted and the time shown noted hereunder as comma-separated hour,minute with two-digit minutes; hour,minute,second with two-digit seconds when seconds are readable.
2,22
